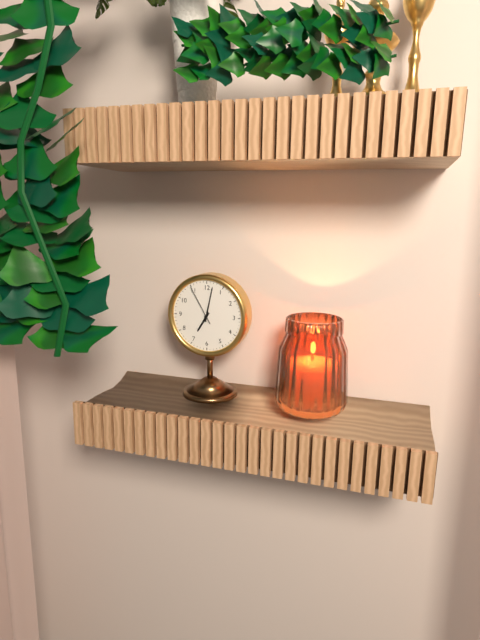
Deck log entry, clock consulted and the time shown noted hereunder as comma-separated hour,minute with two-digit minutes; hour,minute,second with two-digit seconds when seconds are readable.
7,02
